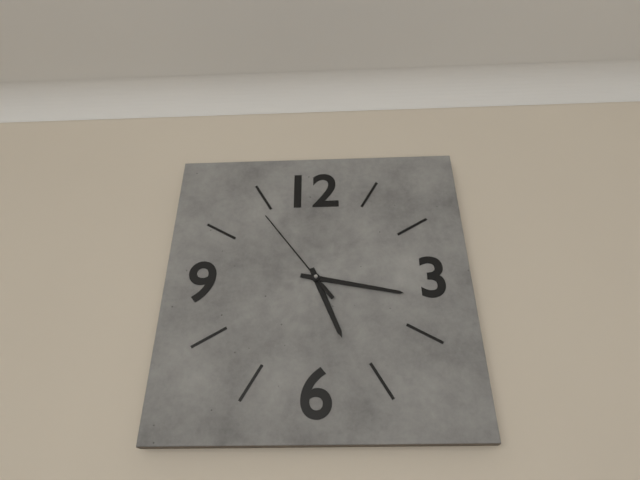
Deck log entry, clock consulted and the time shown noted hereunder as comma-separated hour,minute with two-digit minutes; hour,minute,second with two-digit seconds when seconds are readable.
5,17,54
